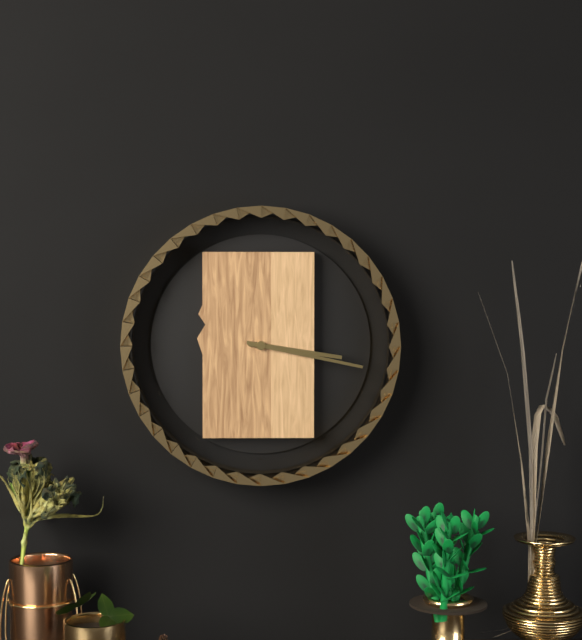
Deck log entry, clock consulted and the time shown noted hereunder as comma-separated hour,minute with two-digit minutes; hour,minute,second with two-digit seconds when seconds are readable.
3,17
